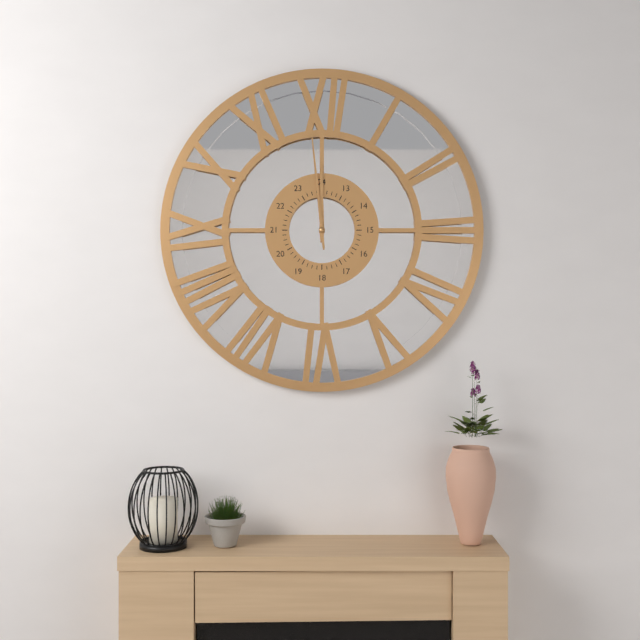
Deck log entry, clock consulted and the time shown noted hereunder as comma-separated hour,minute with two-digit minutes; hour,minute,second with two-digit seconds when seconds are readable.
11,59
